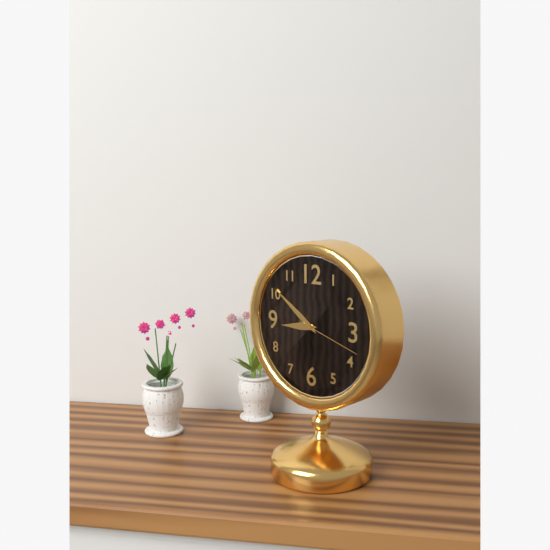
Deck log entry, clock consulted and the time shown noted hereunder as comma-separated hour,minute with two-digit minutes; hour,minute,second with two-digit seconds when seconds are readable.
8,51,18
